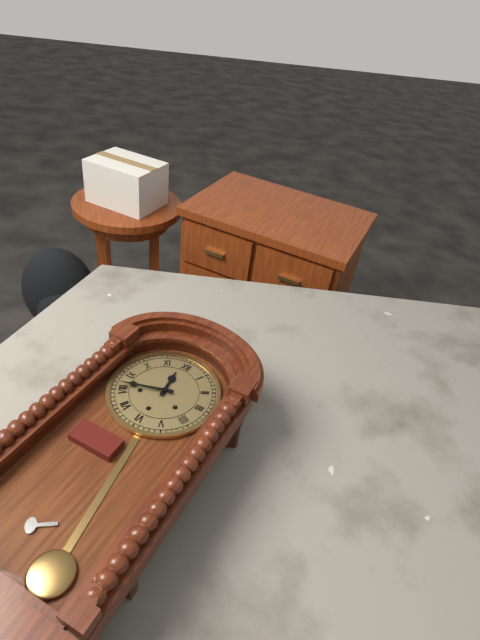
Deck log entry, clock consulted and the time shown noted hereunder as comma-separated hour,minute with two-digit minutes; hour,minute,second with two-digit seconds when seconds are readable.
11,42
